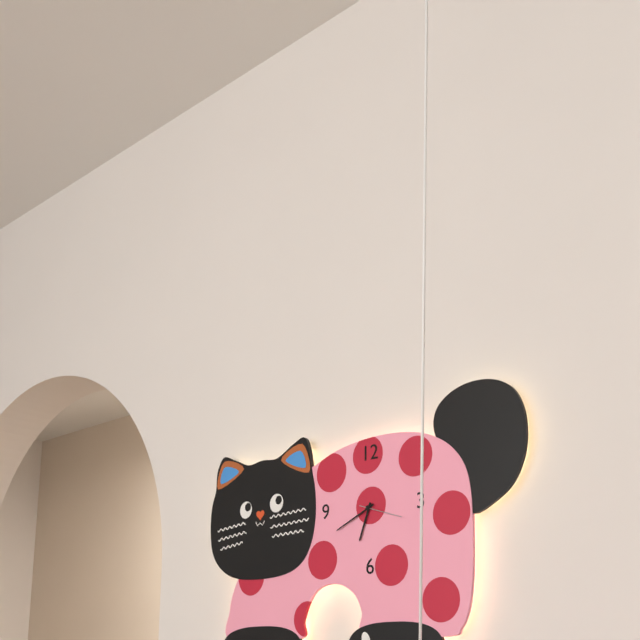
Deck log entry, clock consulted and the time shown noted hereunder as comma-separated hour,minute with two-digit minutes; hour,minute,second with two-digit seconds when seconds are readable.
6,41
